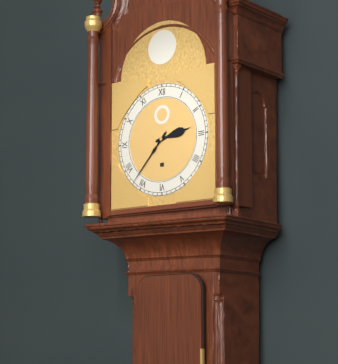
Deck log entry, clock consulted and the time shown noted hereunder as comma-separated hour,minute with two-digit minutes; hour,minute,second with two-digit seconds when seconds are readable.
2,37
